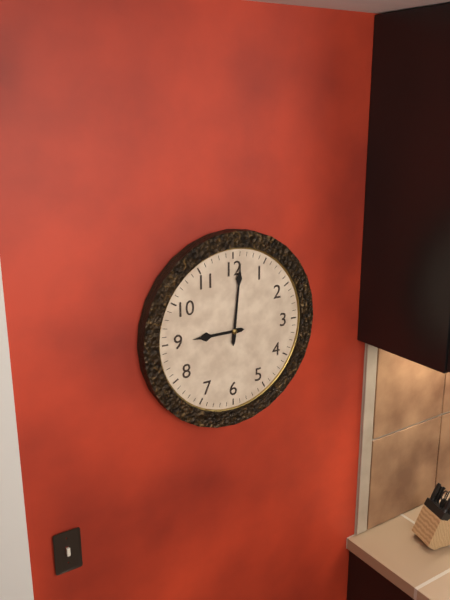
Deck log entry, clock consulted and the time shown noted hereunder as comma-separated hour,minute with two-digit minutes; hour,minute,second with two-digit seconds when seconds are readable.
9,01
